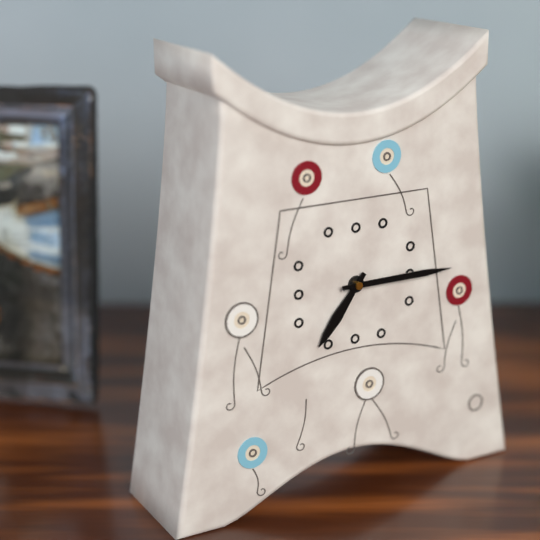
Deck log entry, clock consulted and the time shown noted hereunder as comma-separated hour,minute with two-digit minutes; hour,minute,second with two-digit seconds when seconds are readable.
7,15
